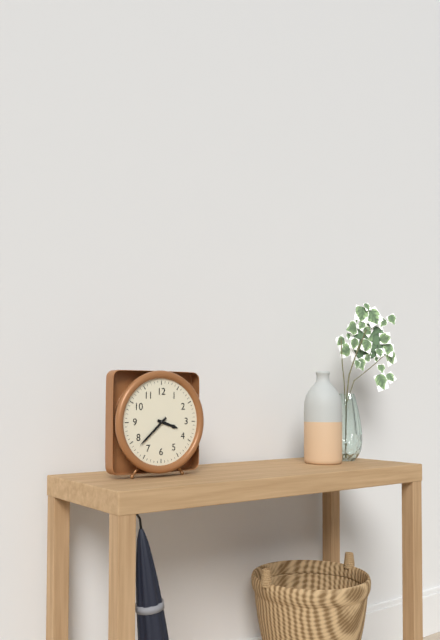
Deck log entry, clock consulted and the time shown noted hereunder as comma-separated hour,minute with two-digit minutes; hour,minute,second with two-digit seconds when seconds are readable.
3,38
